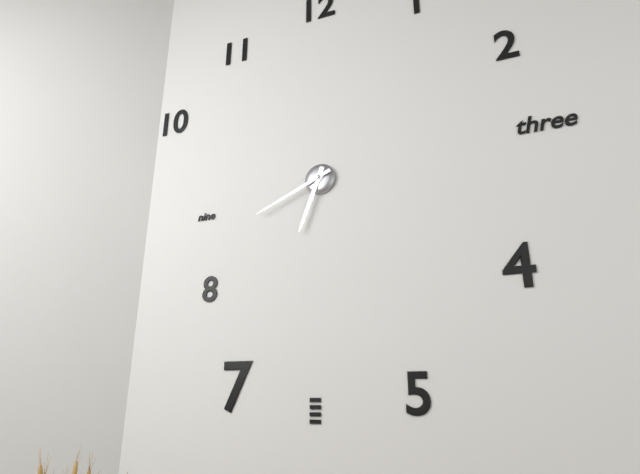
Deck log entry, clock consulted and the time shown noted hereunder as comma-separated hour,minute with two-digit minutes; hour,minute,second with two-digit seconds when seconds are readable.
6,41
